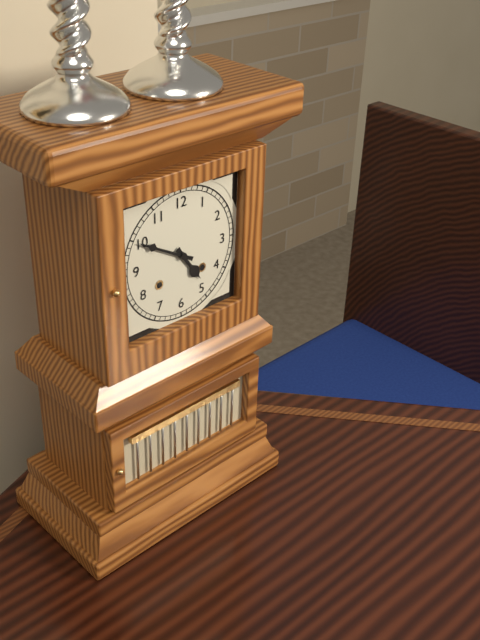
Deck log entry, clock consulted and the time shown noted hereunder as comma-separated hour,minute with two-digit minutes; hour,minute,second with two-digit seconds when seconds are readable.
4,50
